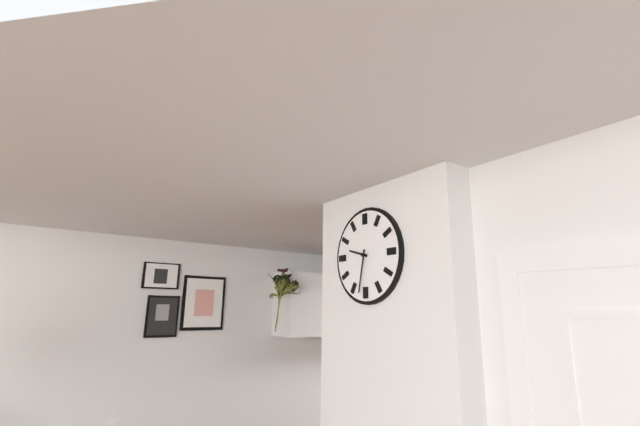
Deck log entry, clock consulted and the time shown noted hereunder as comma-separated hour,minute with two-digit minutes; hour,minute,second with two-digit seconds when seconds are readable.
9,32
